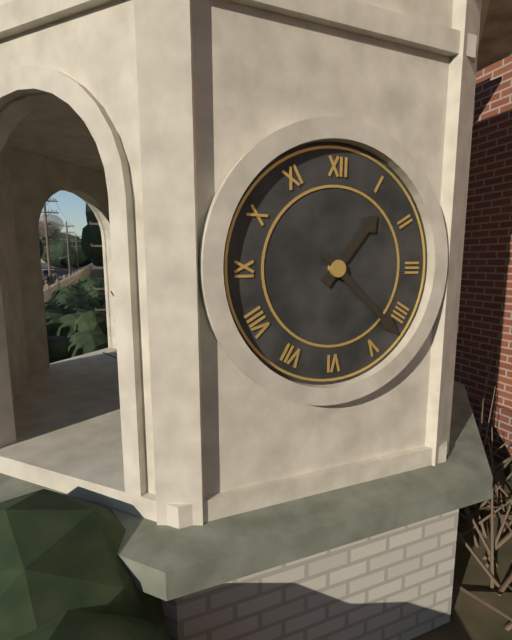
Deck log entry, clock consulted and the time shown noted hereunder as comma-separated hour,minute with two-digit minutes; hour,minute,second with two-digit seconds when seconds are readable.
1,22
